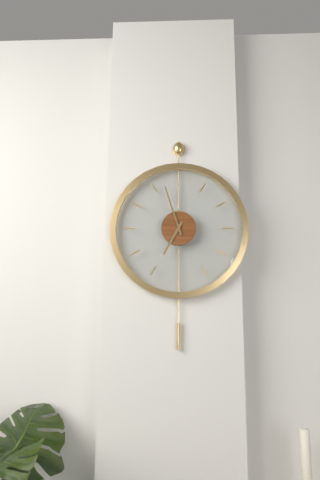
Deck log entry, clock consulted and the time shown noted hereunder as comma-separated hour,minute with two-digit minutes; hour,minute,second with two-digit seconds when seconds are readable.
6,57
